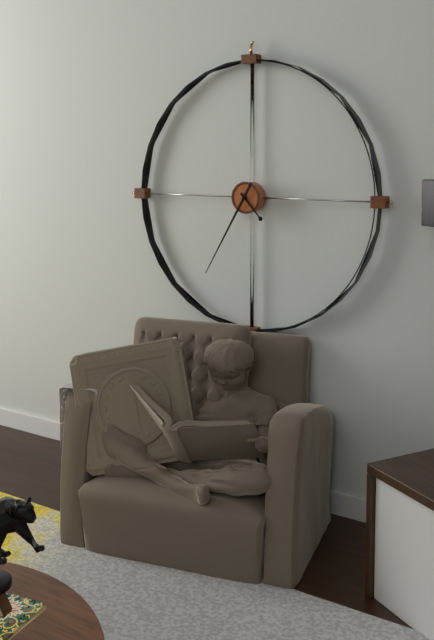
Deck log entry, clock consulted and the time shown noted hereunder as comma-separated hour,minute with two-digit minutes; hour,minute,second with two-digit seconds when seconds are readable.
4,35
